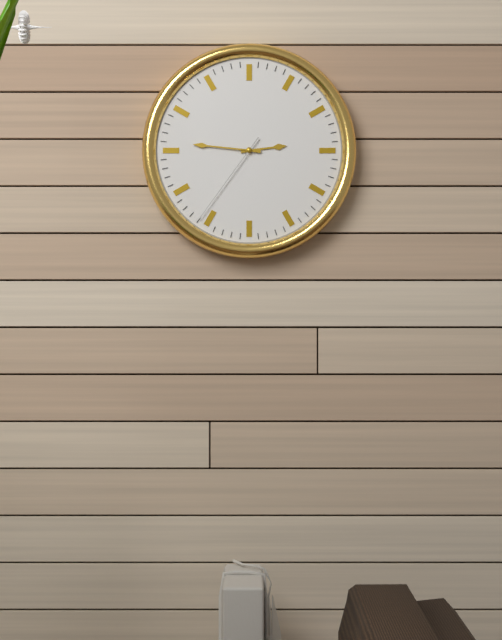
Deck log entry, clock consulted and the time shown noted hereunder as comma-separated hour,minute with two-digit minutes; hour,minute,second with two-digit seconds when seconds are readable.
2,46,36
